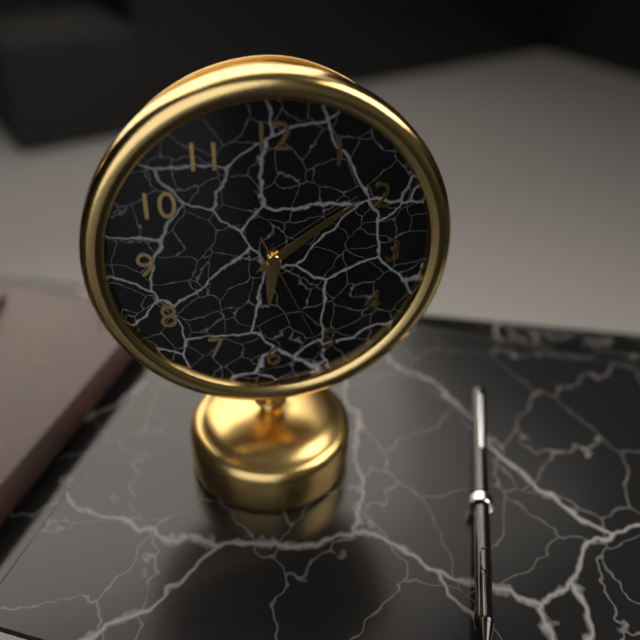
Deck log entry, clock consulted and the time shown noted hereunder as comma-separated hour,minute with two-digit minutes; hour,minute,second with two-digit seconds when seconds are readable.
6,09,26
